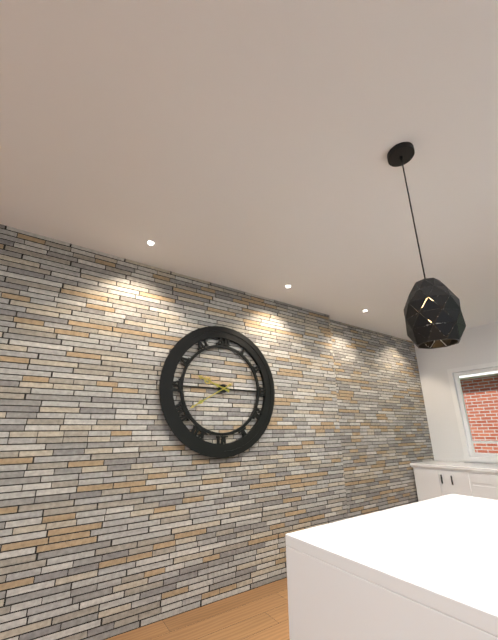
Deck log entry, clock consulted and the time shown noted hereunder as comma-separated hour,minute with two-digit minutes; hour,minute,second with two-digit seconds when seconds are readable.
9,40
